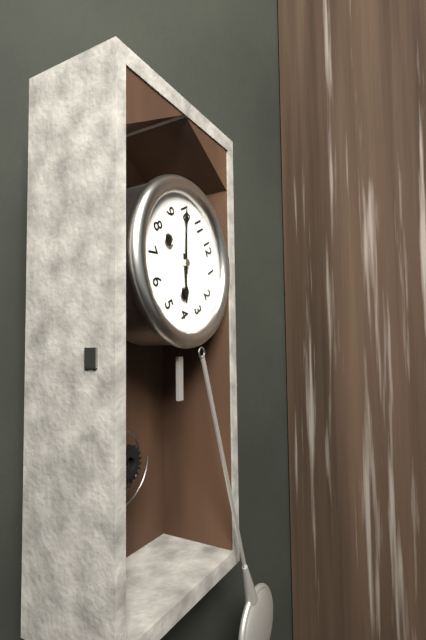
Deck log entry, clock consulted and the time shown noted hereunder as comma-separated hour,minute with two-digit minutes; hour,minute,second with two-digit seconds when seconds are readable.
3,50
